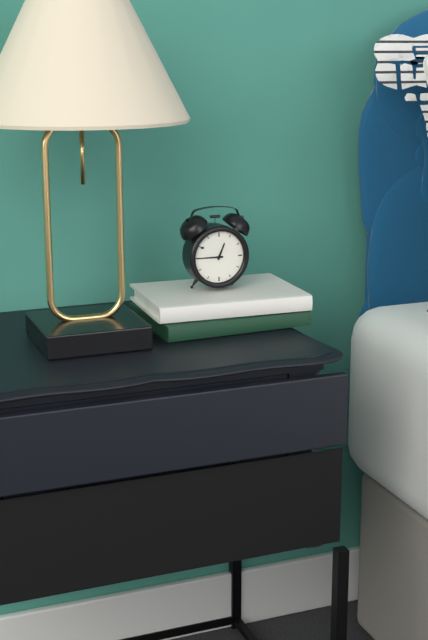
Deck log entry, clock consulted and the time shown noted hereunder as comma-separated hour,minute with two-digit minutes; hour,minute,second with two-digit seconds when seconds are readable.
12,45
